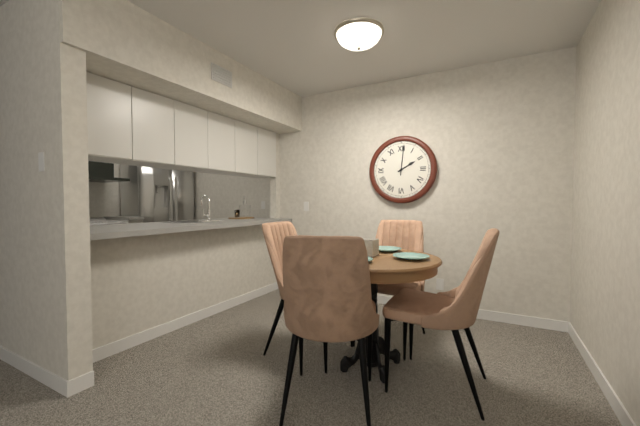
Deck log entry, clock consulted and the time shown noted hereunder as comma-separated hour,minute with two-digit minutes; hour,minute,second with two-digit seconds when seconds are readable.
2,01
